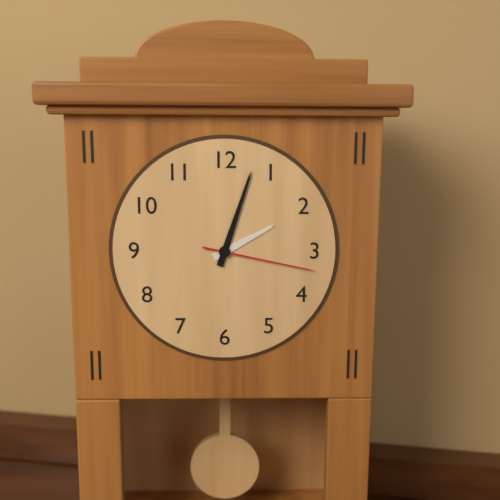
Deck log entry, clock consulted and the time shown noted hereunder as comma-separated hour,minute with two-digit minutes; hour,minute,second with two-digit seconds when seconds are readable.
2,03,17
